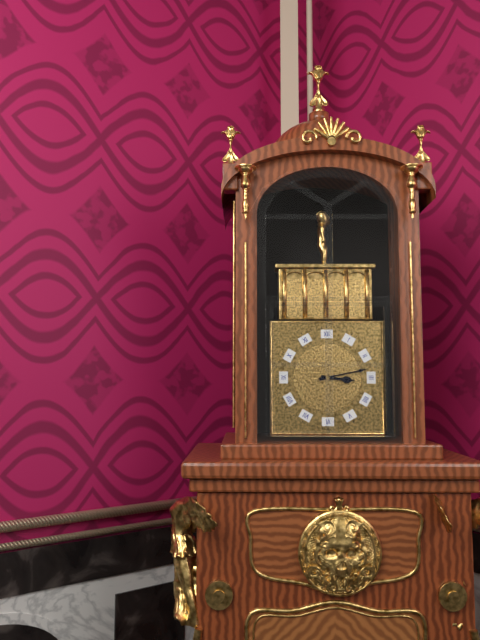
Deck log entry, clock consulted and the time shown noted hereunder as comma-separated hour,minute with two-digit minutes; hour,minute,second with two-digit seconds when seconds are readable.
3,13
